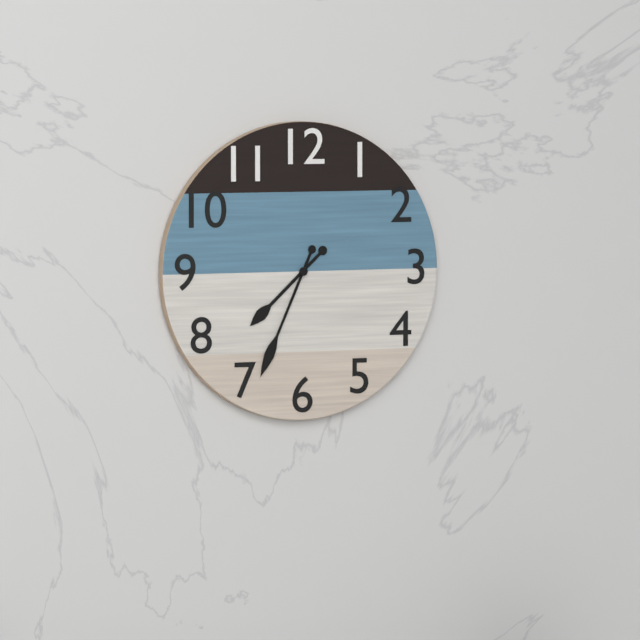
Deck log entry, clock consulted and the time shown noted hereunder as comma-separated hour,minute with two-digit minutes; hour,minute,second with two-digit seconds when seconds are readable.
7,34
